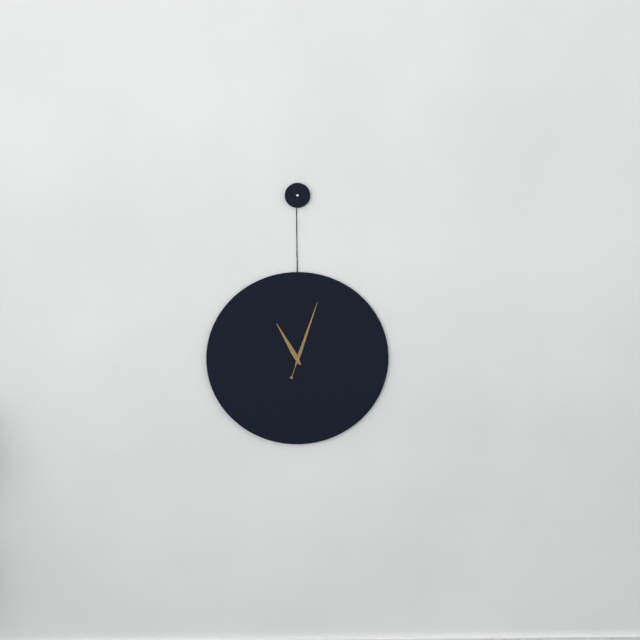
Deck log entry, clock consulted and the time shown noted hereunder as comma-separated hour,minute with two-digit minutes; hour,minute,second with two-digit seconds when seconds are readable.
11,03,03
